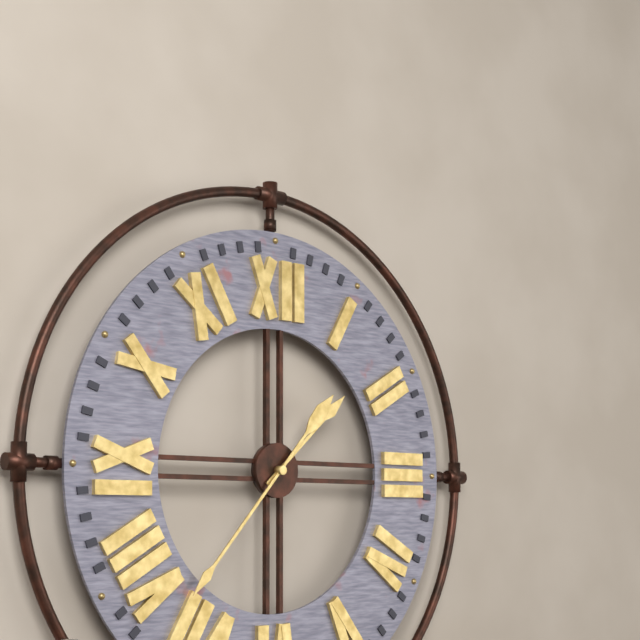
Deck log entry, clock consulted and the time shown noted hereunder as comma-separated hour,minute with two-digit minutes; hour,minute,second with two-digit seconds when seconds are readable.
1,37
